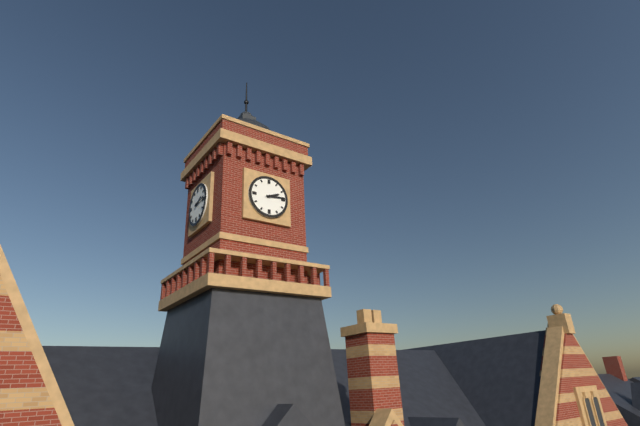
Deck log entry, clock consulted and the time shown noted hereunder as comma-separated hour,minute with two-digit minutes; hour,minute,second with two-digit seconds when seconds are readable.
2,14
